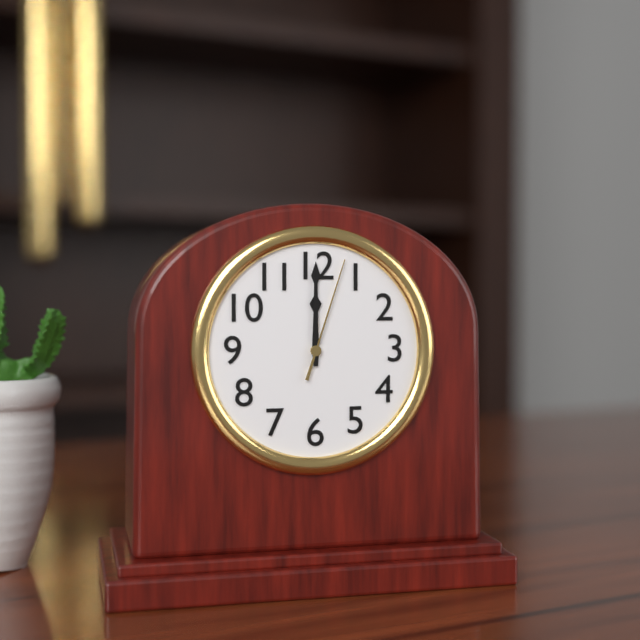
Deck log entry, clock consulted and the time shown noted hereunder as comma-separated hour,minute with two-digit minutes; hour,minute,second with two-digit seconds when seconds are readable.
12,00,03
